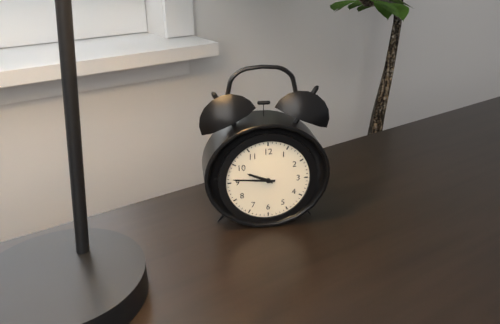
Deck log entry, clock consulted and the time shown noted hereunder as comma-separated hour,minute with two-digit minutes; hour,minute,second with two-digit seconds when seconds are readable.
9,46
